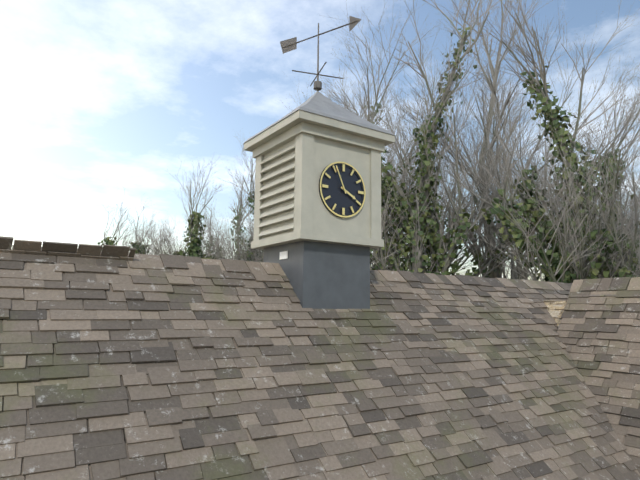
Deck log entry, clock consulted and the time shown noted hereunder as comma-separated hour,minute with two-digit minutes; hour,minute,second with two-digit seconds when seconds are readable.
3,56
